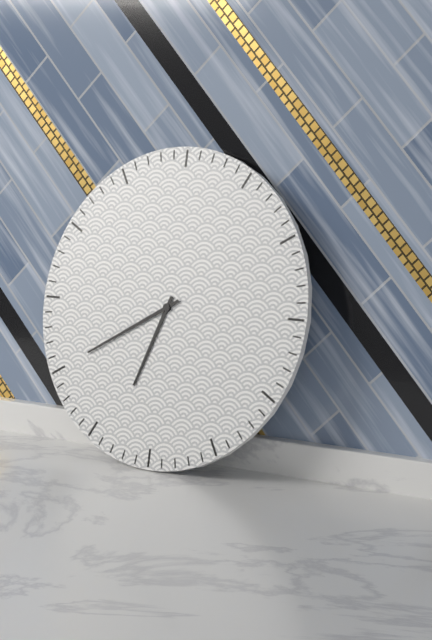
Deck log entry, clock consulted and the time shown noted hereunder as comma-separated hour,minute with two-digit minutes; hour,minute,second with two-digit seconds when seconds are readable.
6,40
